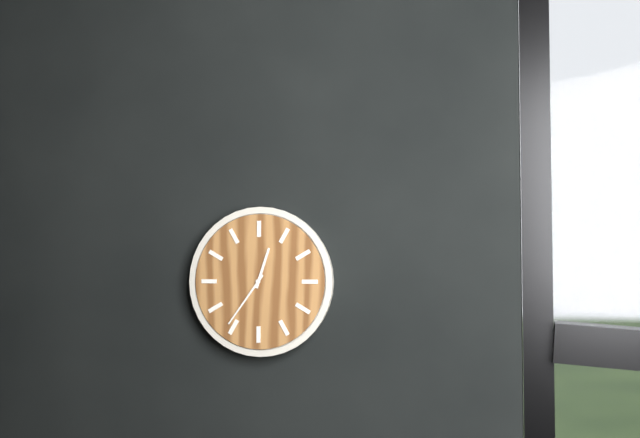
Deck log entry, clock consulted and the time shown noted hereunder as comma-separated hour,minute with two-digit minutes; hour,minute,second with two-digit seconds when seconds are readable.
12,36
